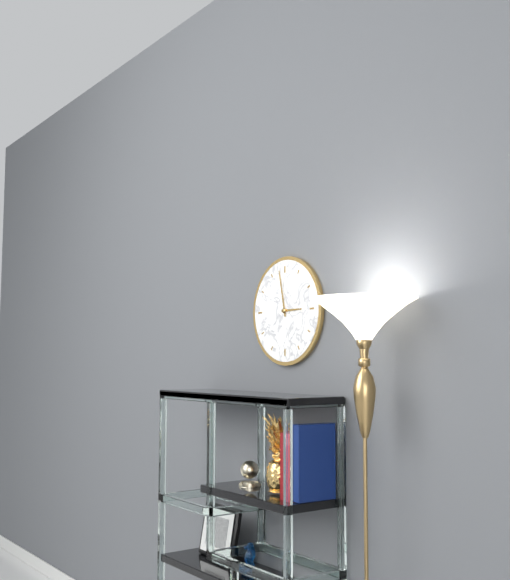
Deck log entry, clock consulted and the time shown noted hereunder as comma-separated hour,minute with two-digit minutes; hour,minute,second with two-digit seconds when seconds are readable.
2,58
